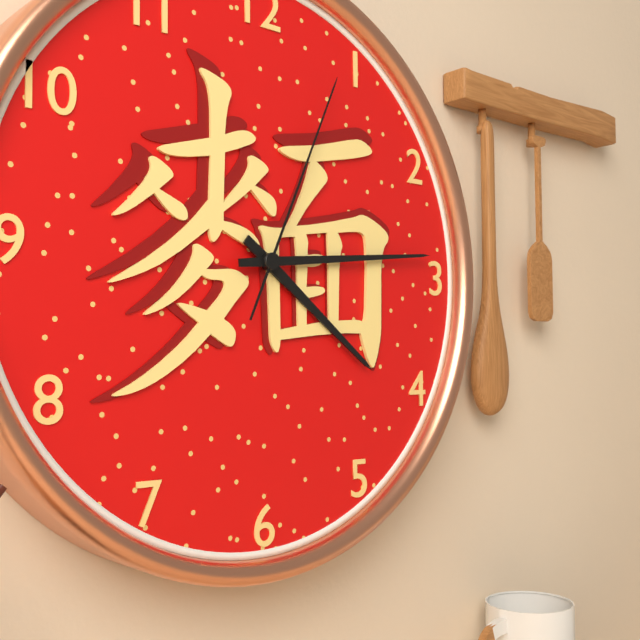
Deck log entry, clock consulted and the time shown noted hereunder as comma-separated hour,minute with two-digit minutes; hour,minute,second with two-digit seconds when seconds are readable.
4,14,04
